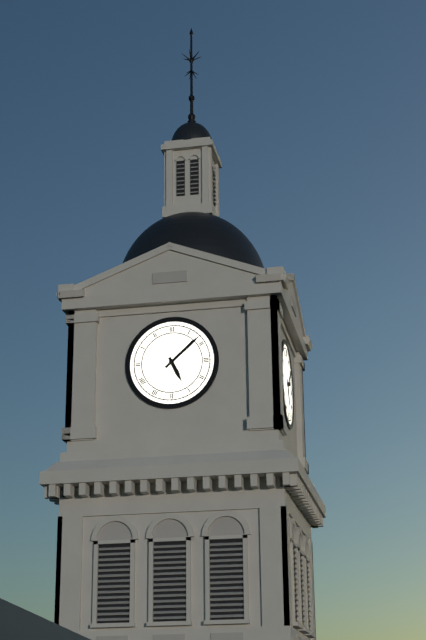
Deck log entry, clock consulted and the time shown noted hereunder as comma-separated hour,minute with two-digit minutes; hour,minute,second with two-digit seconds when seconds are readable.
5,08
